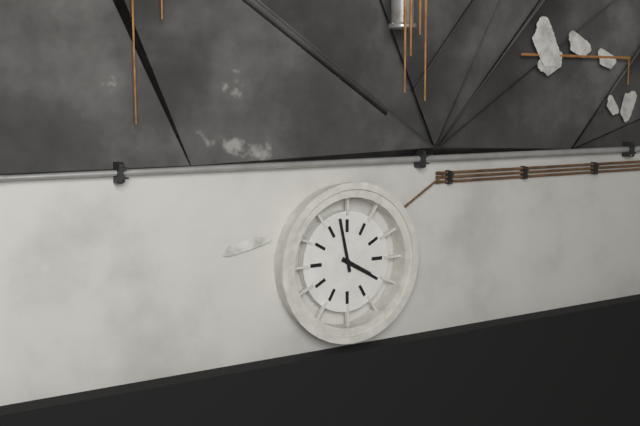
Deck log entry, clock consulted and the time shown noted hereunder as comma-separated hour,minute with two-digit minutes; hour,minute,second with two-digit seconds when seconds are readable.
3,58
